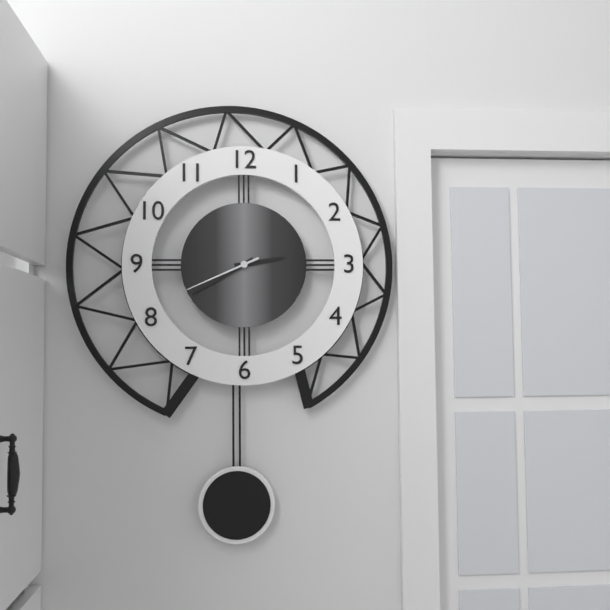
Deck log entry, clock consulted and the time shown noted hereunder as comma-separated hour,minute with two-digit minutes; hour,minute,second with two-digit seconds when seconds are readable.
2,40,41
